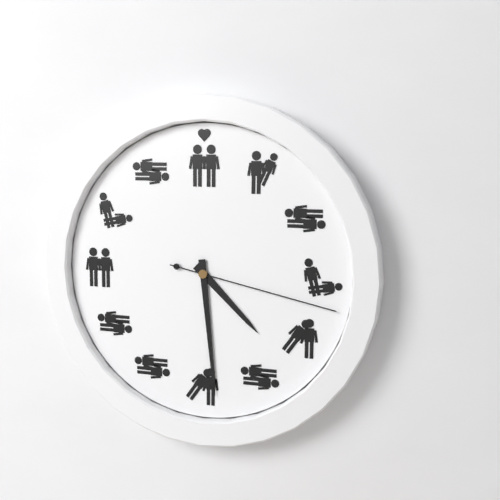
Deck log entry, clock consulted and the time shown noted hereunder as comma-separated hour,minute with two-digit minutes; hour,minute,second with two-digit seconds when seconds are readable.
4,29,17
